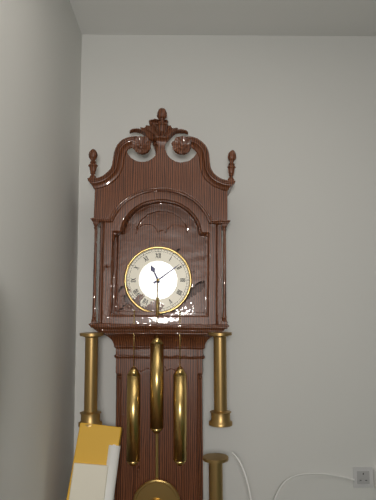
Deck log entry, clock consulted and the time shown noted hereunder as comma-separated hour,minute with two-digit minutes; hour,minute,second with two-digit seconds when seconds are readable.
11,09
